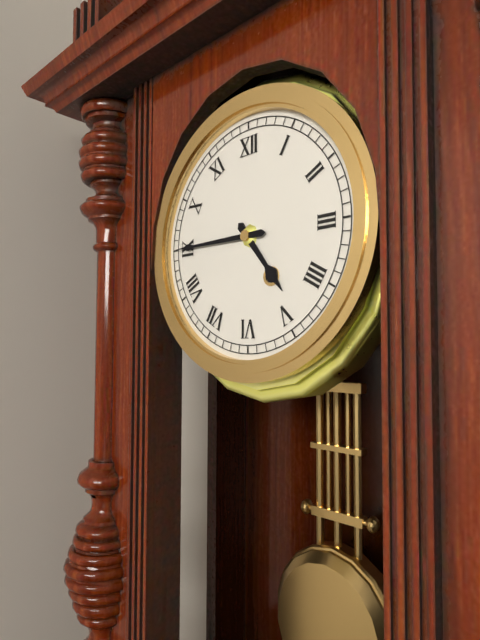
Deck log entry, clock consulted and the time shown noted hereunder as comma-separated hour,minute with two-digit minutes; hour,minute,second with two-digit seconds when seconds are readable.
4,45
